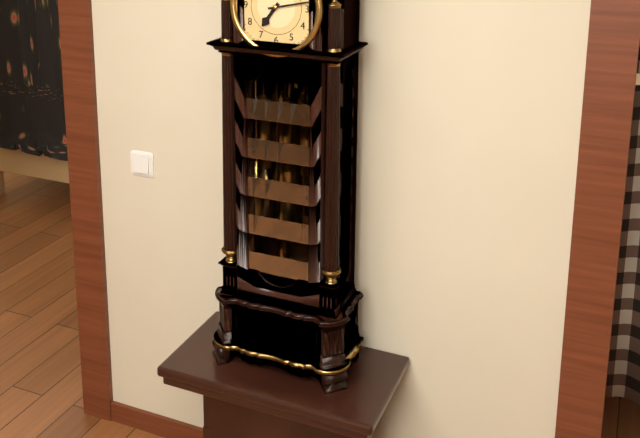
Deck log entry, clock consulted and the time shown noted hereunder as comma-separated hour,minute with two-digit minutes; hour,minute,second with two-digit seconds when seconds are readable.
7,13
